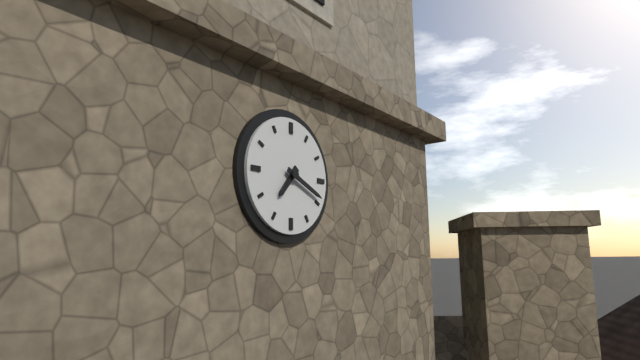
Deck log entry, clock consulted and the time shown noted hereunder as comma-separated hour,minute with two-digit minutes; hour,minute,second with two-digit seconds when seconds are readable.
7,19
